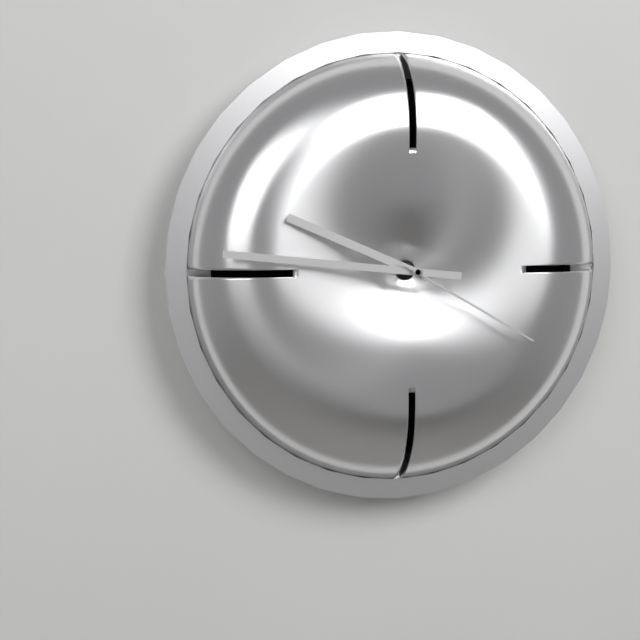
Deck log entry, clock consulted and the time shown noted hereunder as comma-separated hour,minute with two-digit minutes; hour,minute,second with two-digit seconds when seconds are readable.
9,46,20
